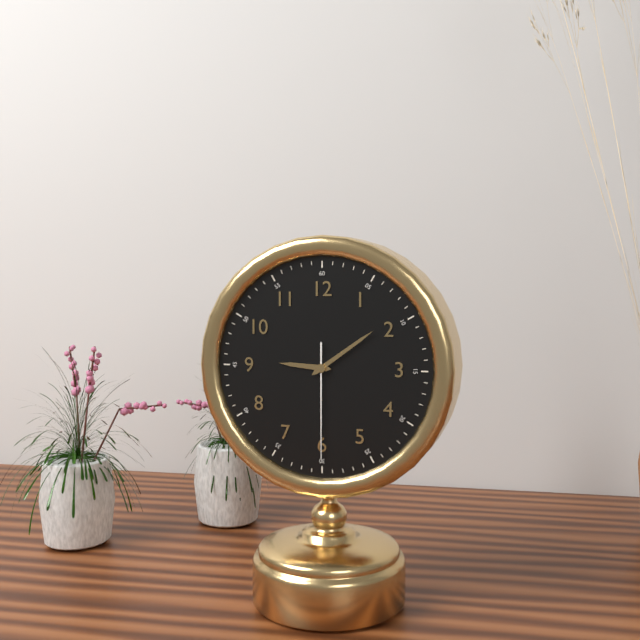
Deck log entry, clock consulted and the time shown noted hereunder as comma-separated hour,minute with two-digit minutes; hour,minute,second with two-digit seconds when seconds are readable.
9,09,30
